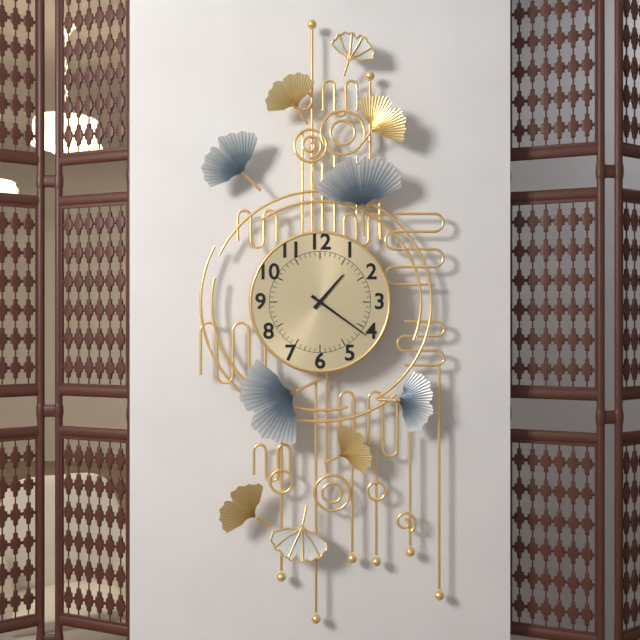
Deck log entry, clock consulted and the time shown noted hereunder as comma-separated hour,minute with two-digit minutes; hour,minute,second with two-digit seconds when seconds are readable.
1,21
